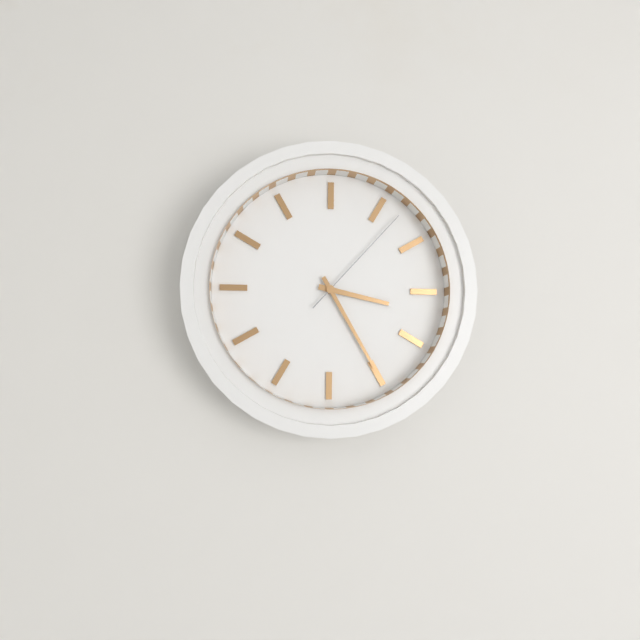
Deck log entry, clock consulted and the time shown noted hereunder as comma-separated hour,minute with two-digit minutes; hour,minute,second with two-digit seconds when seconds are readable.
3,25,07
